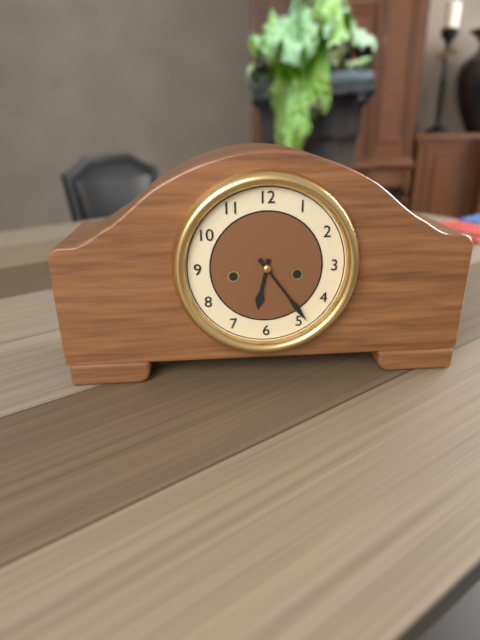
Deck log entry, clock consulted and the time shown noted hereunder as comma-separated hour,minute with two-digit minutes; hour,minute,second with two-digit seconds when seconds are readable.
6,24
